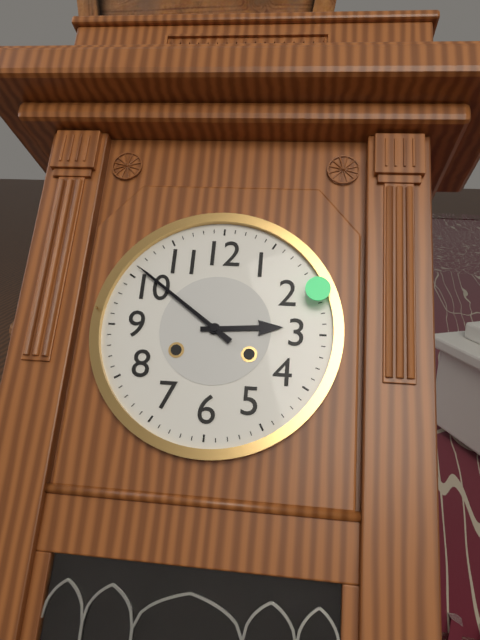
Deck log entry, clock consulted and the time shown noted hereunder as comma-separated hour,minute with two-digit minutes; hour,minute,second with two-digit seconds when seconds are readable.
2,51
